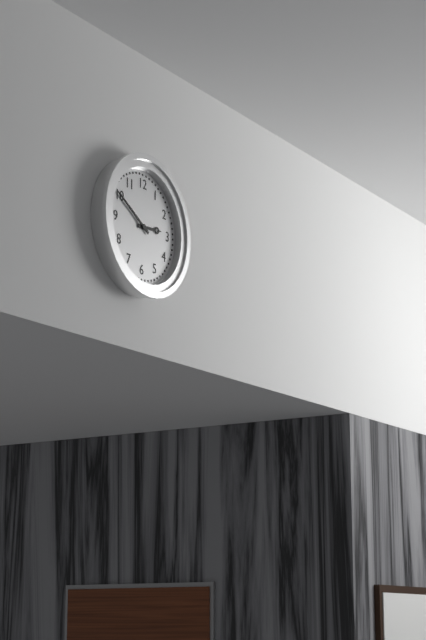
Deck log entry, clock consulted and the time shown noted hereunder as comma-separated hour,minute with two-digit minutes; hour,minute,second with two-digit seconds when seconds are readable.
2,50
